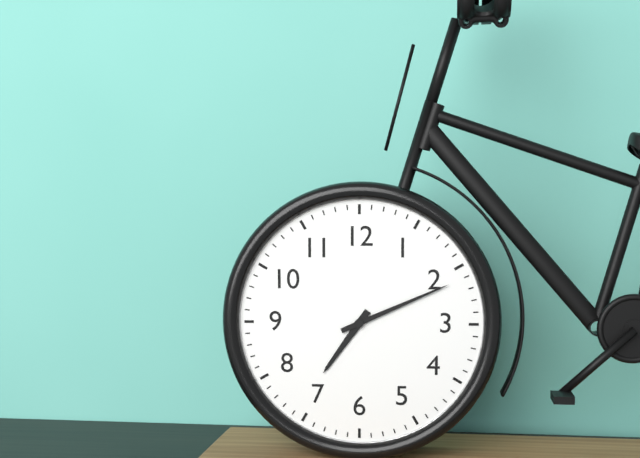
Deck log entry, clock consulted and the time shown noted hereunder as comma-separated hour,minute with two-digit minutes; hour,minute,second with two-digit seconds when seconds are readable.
7,11
